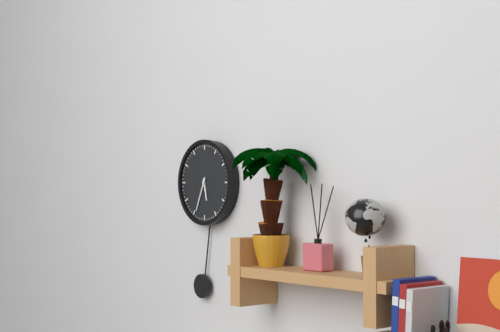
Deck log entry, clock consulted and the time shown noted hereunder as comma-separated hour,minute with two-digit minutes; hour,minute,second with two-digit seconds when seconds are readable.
5,34
